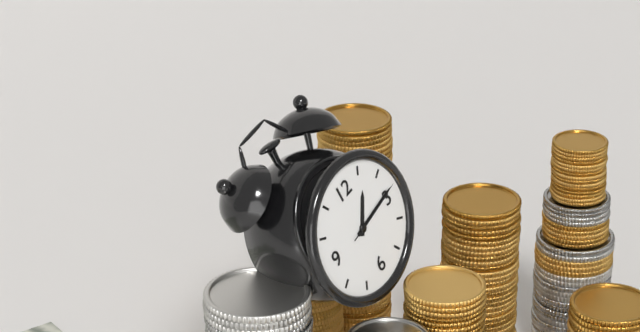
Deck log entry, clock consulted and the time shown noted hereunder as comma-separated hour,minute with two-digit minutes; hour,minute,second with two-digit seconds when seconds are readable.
1,14,14
